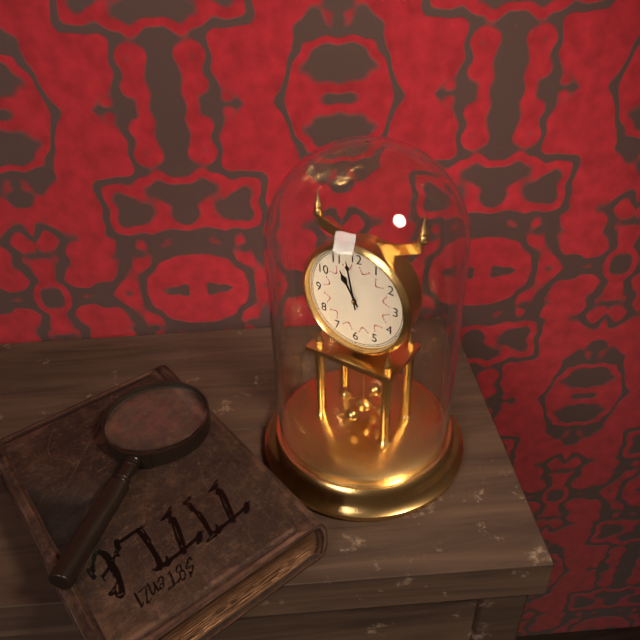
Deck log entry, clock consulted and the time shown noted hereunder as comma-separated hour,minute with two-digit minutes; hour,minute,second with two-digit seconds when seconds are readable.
10,58
